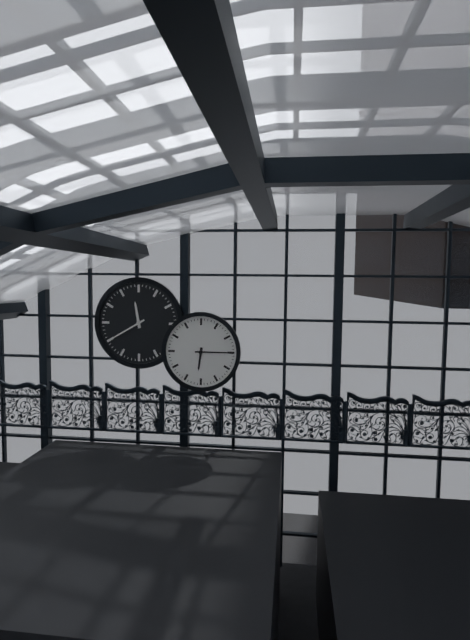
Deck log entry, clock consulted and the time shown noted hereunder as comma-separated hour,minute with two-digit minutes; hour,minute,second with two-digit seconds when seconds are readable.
6,15
